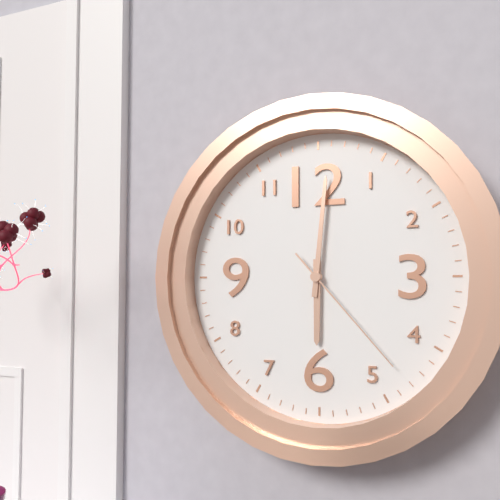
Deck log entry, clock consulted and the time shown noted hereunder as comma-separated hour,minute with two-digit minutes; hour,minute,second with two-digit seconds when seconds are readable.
6,01,23
